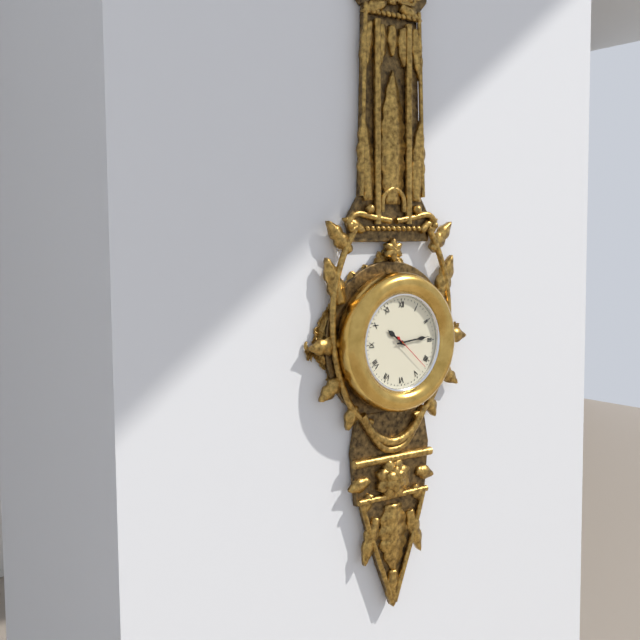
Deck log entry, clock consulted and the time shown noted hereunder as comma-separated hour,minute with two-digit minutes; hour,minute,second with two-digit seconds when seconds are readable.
10,14,22
